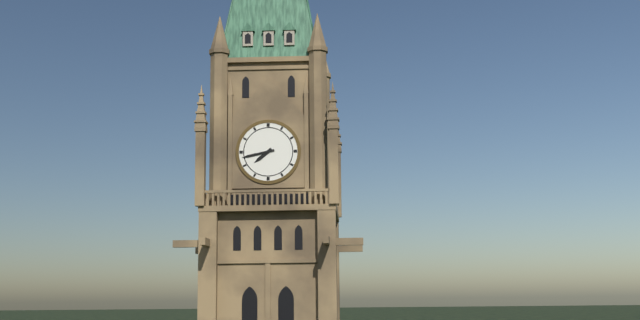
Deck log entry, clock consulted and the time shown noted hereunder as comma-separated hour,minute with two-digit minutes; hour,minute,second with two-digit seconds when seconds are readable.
7,43
